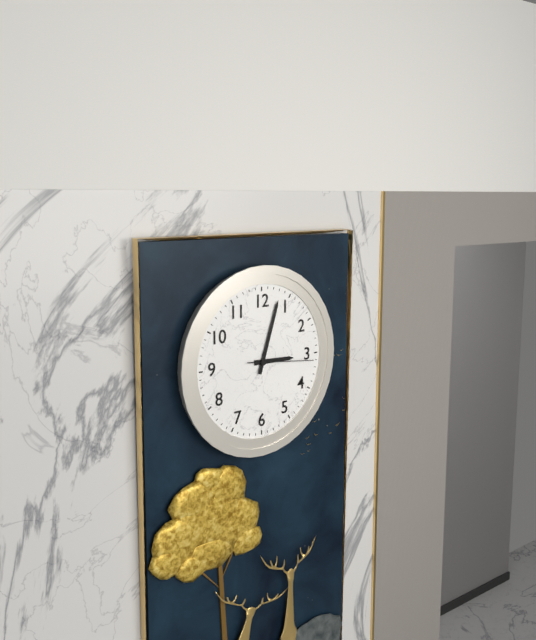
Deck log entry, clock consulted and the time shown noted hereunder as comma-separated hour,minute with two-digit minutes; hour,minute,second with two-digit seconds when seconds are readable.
3,03,16
